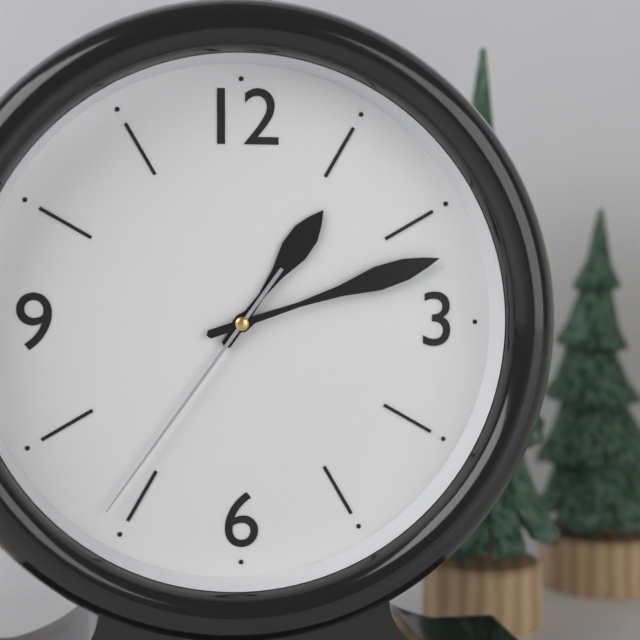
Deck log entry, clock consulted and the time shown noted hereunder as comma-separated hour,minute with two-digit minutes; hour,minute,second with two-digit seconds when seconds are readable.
1,12,36
